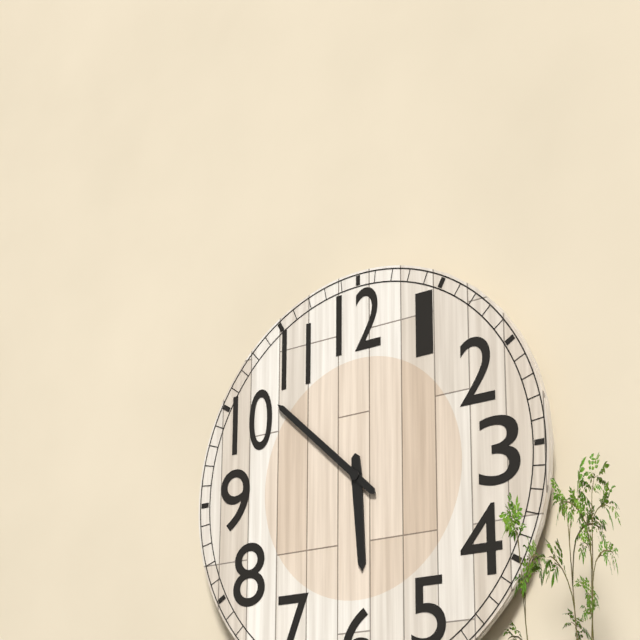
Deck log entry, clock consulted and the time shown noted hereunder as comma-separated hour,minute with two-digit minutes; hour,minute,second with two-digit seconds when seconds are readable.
5,52
